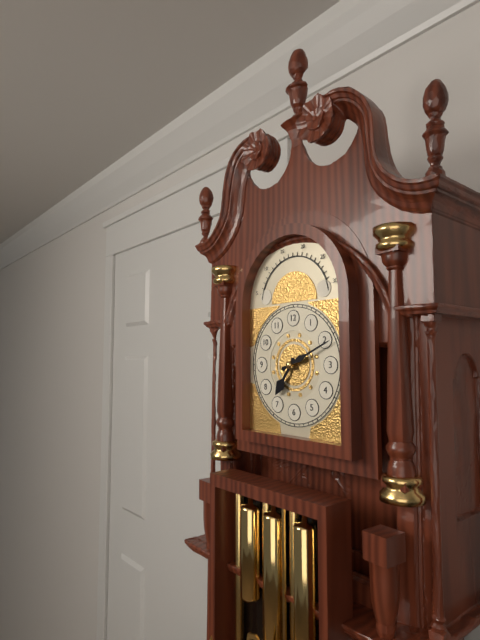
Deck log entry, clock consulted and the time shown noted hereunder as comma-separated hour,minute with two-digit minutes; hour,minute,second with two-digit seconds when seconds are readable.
7,11
